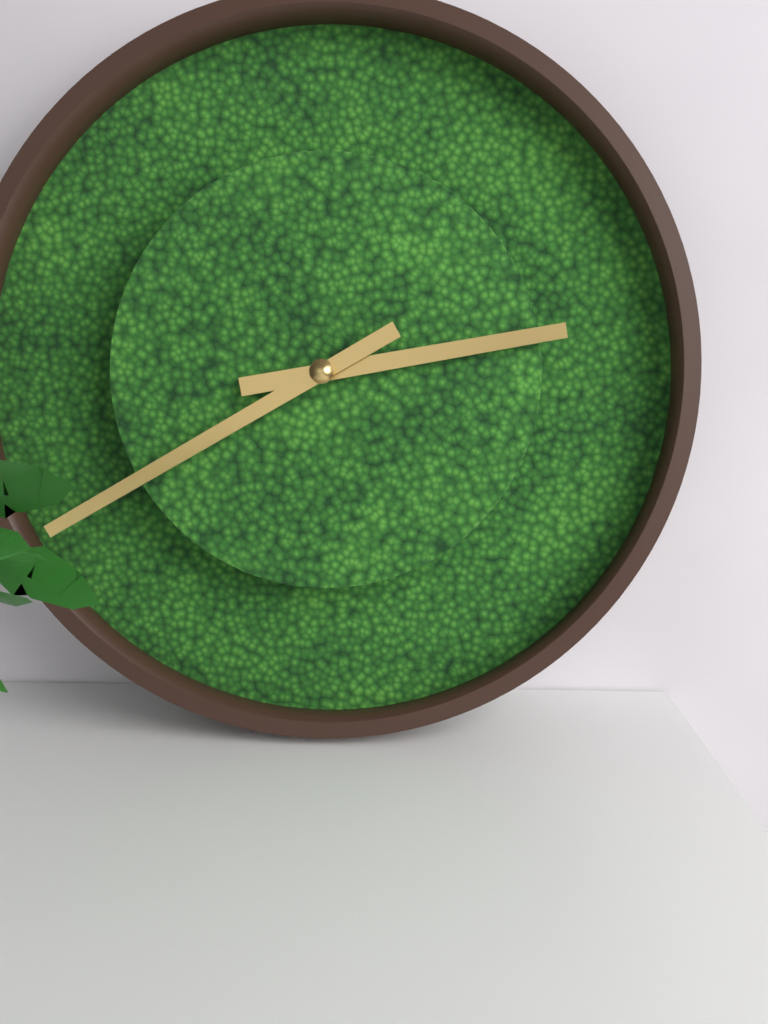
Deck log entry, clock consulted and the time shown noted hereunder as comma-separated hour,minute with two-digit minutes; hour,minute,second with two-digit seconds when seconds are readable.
2,40
